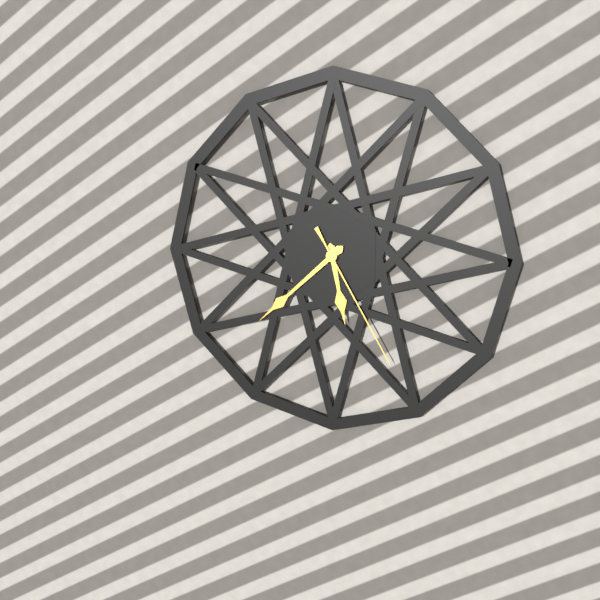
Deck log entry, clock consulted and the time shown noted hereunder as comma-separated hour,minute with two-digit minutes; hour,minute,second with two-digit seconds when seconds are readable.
5,38,25
